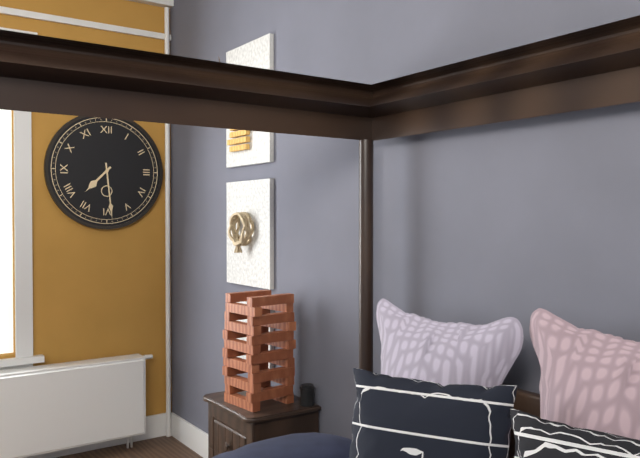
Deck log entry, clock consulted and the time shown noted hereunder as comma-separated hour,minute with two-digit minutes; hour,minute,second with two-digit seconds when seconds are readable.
7,29
